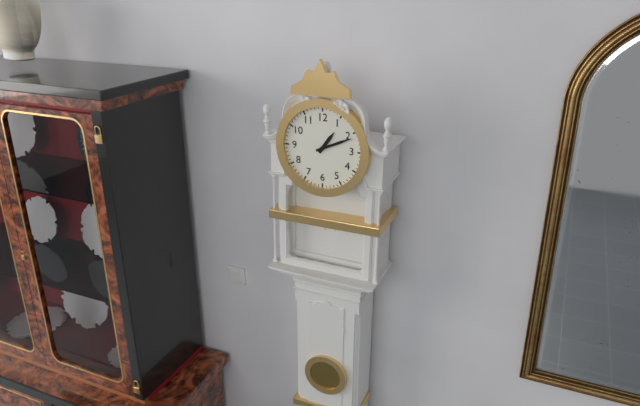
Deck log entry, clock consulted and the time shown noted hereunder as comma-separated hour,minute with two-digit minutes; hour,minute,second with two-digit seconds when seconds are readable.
1,11
